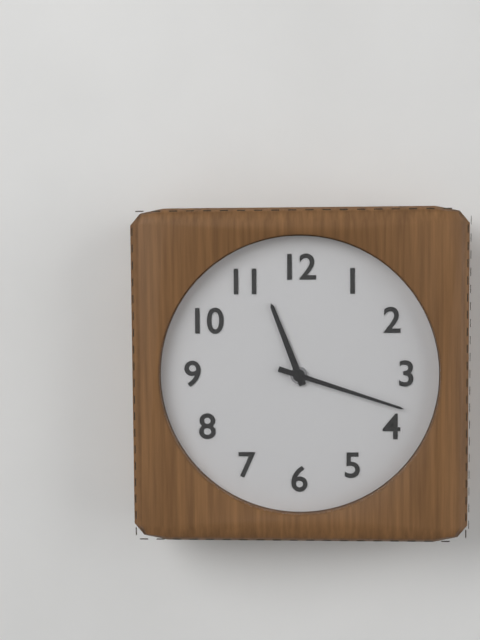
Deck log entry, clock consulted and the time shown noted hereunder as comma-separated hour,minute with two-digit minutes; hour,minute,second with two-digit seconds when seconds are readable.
11,18
